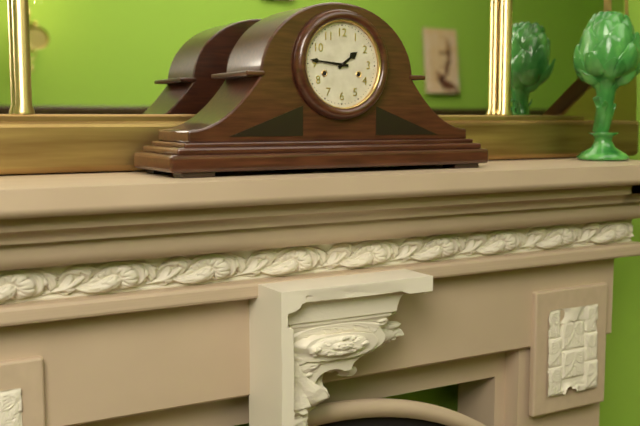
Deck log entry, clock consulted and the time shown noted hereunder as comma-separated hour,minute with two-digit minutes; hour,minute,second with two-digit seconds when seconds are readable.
1,46
